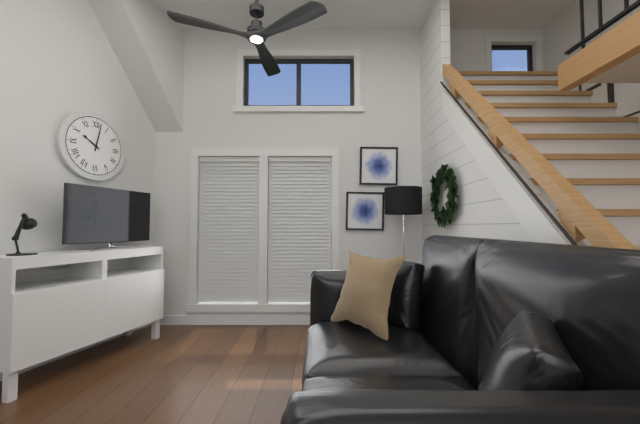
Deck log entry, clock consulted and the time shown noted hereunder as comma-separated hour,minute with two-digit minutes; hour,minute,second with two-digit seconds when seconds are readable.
10,02
